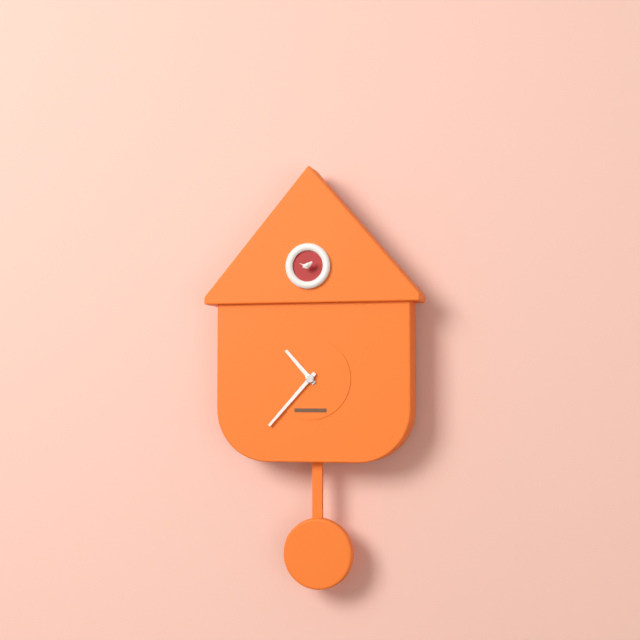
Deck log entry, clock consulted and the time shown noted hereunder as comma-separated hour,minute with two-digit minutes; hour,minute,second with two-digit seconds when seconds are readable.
10,37
